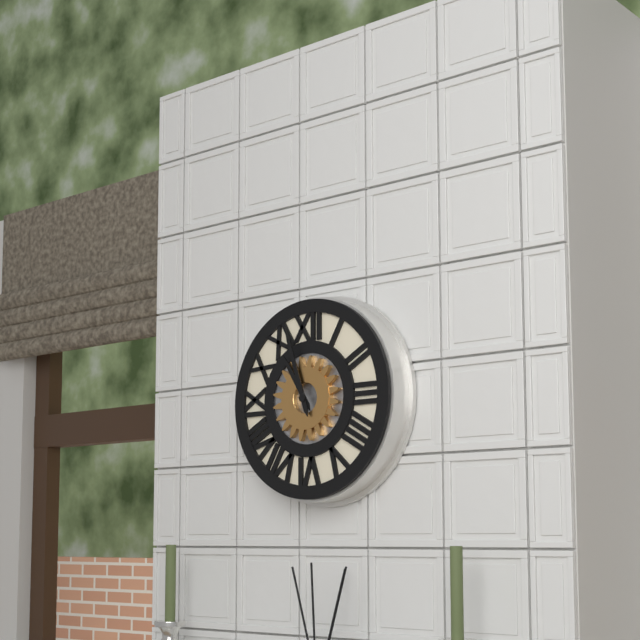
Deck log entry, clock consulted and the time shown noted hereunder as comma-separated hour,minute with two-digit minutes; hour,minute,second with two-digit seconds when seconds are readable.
10,57
